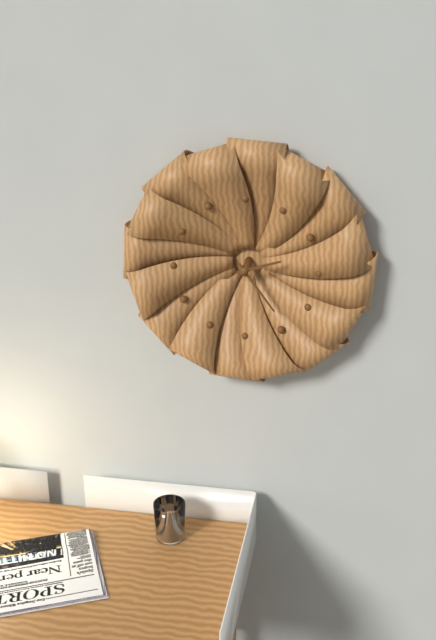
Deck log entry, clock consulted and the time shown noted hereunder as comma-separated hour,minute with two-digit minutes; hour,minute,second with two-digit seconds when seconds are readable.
2,24
